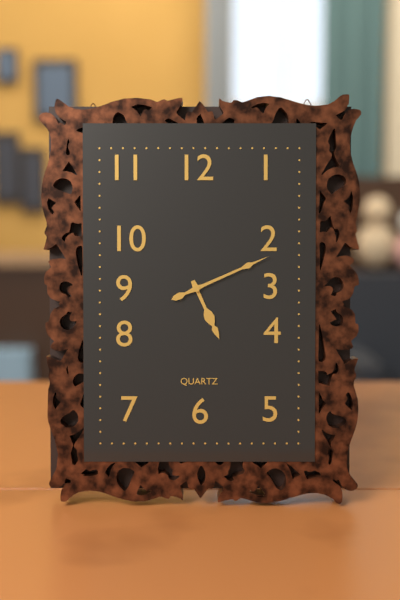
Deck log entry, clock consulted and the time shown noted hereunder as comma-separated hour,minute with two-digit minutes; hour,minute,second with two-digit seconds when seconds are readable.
5,11
